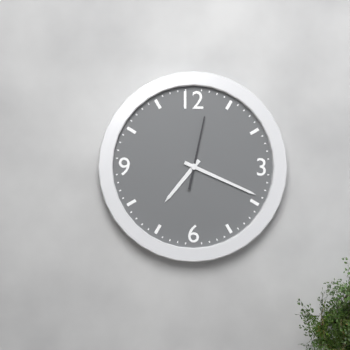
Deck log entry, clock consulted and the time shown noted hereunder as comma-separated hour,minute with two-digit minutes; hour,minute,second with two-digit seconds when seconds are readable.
7,19,02
